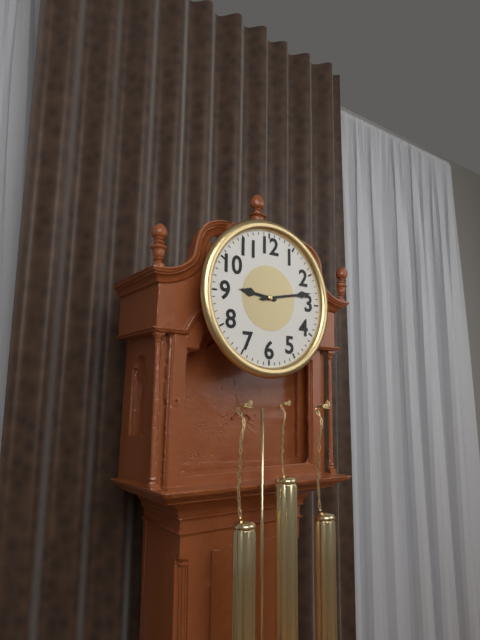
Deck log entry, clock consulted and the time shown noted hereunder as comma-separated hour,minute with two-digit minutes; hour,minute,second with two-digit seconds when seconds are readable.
9,13
